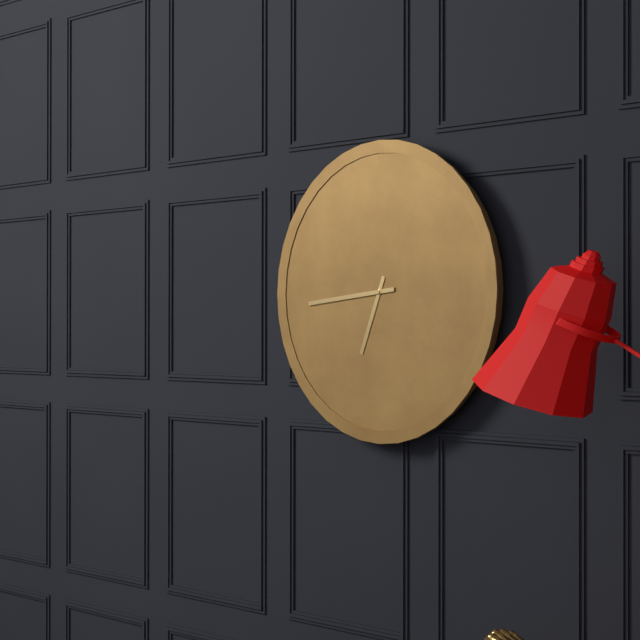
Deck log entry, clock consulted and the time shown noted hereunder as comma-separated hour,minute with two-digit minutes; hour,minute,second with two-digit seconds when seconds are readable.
6,44
